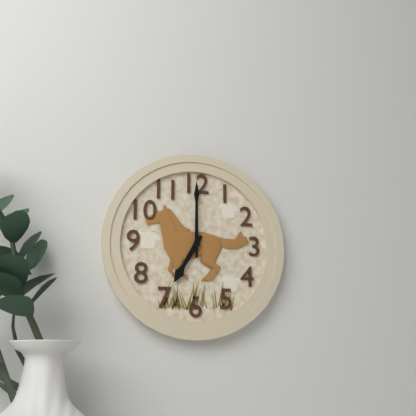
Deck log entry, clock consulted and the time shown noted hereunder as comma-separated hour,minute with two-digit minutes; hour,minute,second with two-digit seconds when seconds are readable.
7,00
